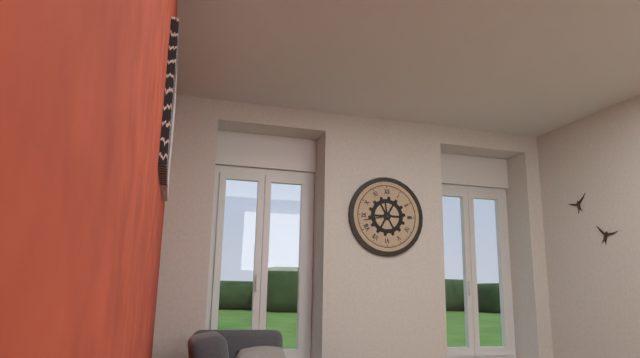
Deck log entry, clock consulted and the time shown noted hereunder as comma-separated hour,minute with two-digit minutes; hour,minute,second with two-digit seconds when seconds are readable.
11,43
